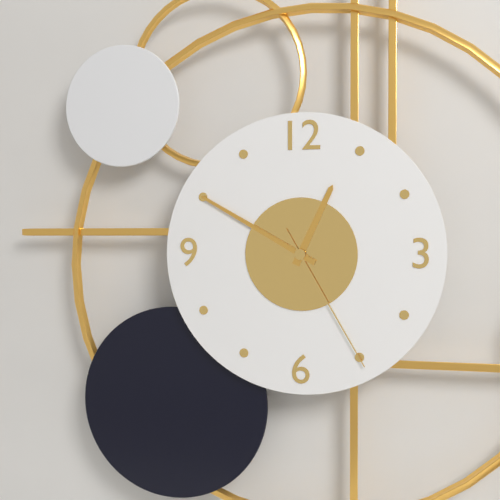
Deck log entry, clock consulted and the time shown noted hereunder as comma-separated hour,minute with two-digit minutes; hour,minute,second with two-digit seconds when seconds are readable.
12,50,25
